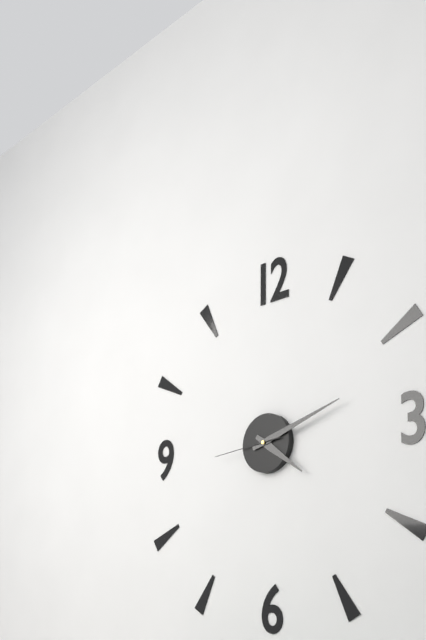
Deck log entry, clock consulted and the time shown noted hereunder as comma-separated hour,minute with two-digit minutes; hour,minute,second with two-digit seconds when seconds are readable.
4,12,44
